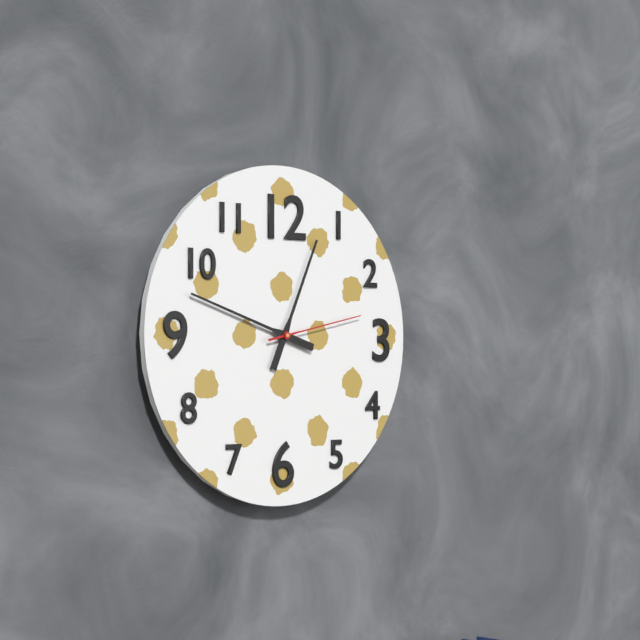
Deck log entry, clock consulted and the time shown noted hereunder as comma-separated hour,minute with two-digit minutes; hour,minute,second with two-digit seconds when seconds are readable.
12,48,13
